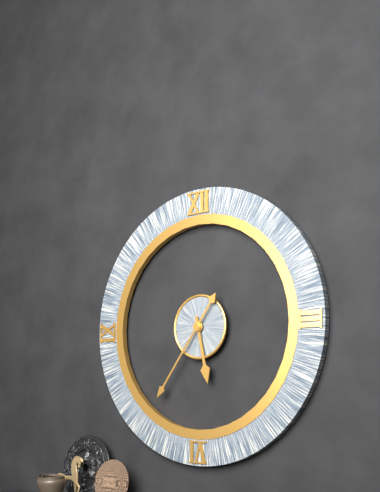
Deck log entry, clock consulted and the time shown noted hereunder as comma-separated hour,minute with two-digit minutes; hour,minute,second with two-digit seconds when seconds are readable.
5,36
